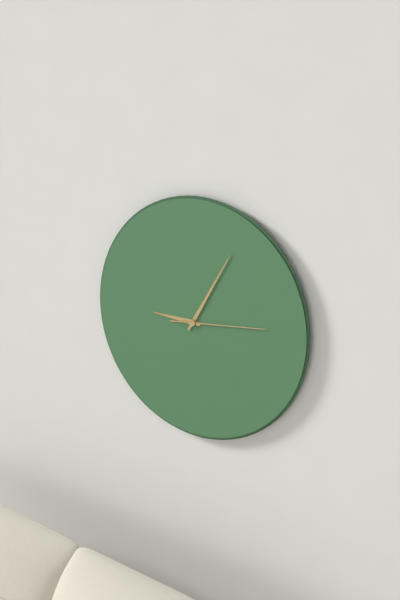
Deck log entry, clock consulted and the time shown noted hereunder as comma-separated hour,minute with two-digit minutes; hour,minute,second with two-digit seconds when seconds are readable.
9,05,14
